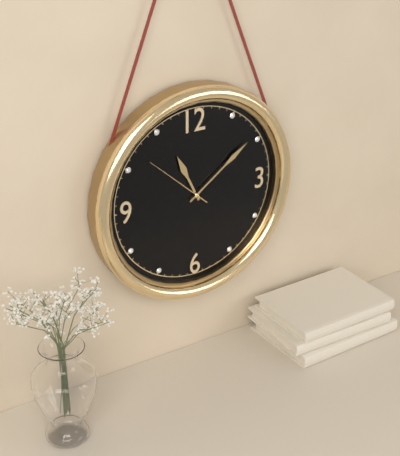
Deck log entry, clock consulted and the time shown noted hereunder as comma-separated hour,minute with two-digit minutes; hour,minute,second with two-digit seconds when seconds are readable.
11,09,52
